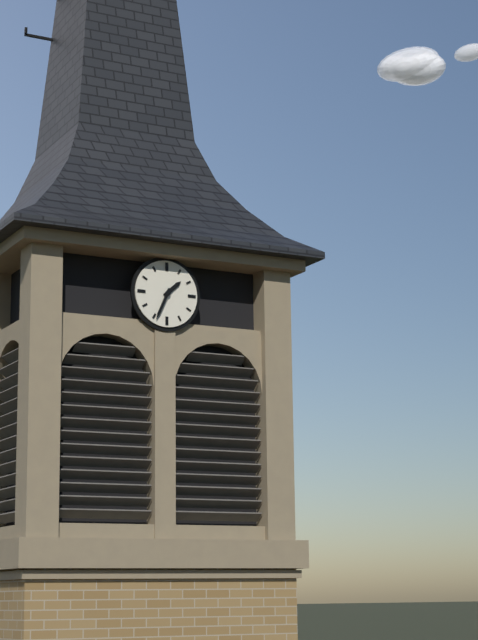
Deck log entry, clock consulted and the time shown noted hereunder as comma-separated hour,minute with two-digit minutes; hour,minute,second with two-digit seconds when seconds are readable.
1,34
